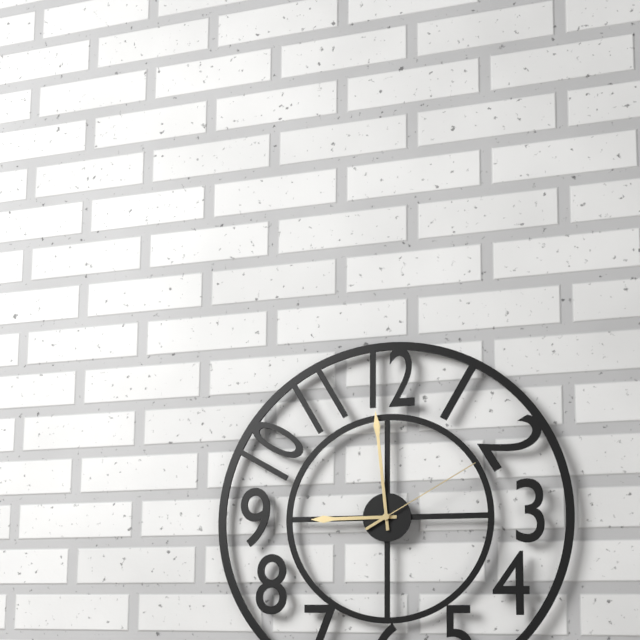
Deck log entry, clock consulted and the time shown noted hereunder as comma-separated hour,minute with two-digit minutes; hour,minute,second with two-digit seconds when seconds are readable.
8,59,10
